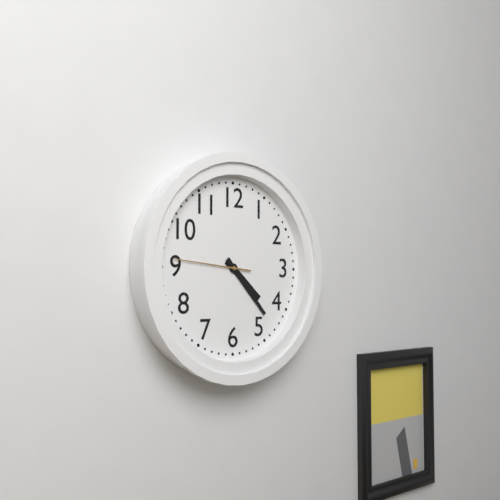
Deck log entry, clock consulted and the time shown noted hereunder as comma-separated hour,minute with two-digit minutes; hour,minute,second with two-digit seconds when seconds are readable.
4,23,46
